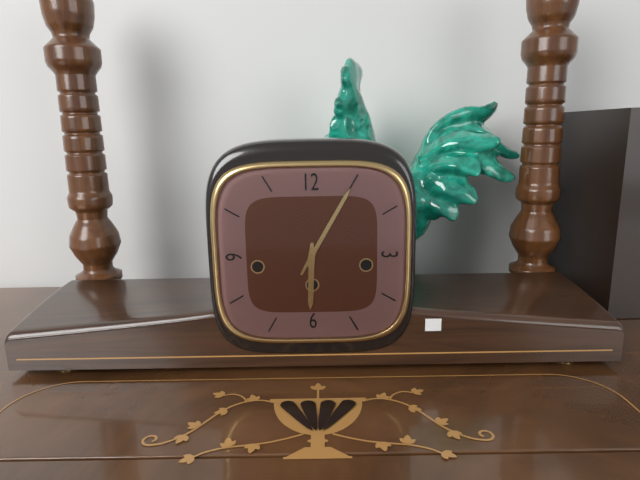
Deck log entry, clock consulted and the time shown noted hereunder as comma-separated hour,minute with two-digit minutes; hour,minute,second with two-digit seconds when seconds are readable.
6,05
